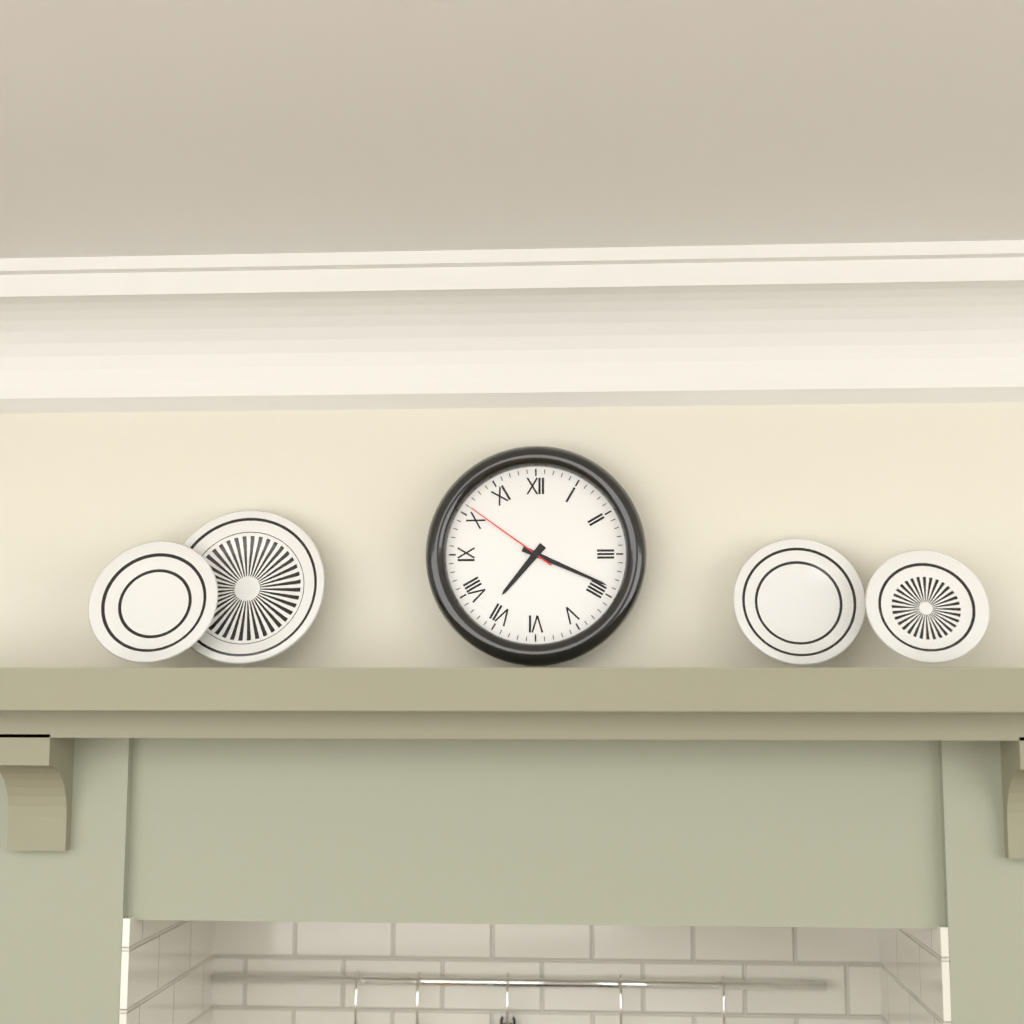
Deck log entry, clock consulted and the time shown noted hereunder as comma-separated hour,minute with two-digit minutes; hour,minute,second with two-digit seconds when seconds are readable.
7,19,51
